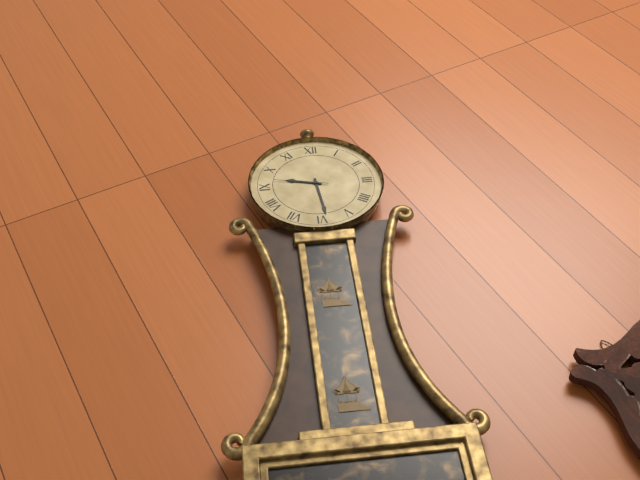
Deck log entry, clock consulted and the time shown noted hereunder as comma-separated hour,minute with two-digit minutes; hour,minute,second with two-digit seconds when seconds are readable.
9,29,47
